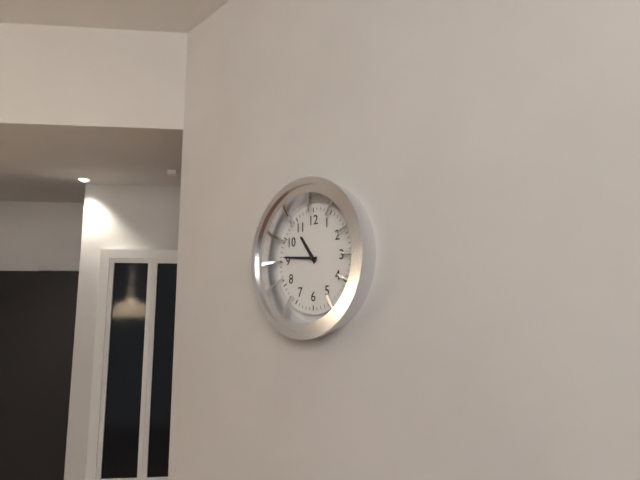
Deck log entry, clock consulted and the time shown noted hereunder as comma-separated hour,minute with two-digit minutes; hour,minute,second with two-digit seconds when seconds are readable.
10,46
